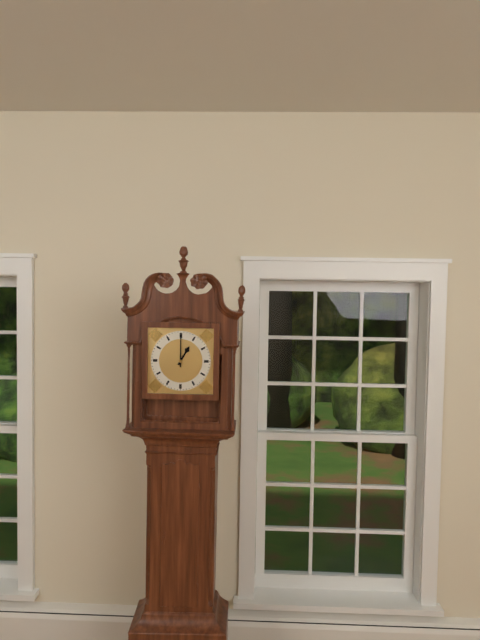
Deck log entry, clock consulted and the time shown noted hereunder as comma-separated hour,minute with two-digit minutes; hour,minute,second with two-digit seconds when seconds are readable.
1,00
